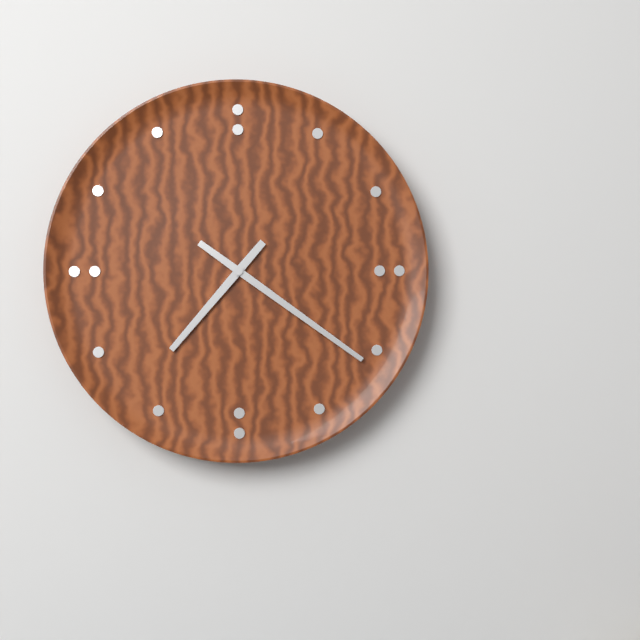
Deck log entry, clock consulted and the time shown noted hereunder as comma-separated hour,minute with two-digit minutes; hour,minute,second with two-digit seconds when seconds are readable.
7,21
